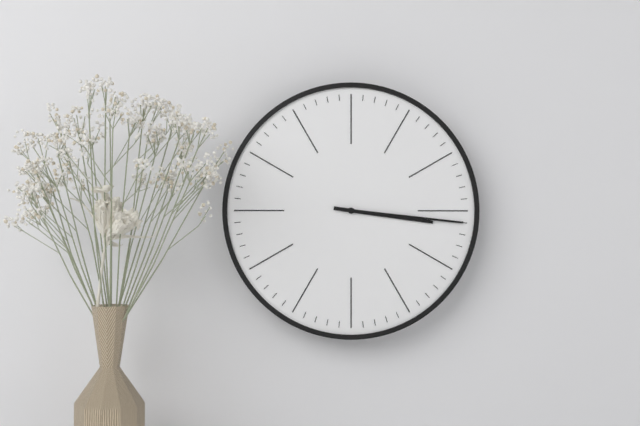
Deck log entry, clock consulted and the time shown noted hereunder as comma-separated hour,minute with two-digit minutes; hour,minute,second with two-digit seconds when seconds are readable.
3,16
